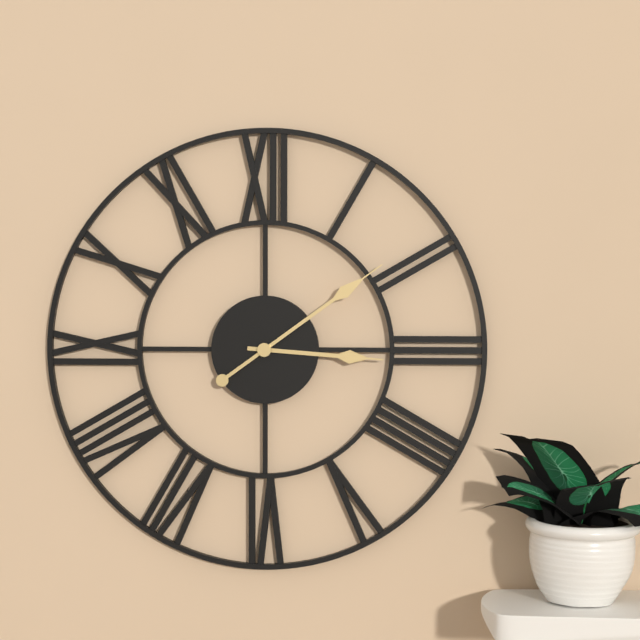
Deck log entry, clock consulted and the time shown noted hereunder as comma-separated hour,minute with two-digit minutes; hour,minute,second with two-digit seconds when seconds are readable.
3,09
